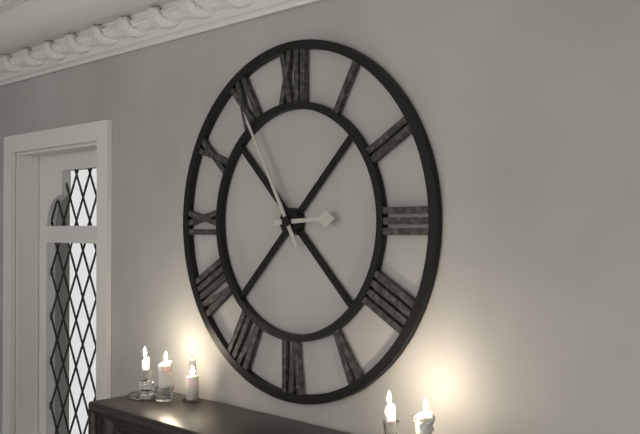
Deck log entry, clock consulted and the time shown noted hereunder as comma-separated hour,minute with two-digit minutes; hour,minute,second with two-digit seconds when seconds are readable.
2,55
